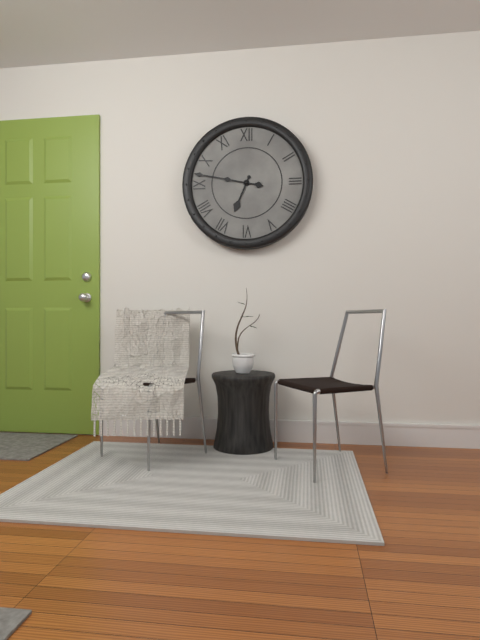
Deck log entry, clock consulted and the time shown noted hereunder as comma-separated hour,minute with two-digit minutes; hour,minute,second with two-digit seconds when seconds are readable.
6,47
